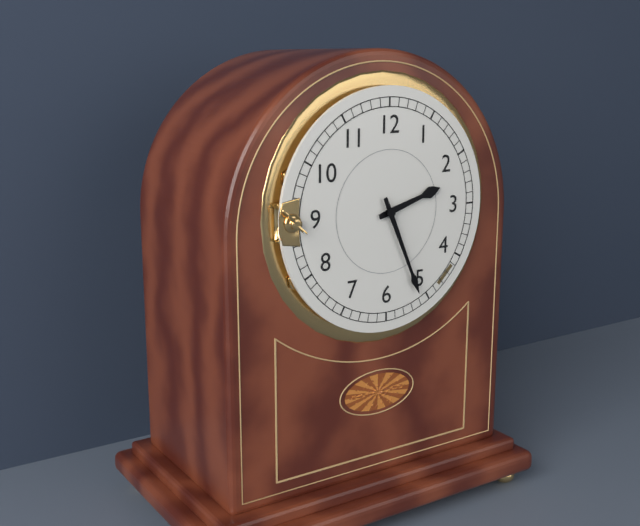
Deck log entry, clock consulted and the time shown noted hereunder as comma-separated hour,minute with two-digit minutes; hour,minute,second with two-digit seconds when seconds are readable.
2,26
